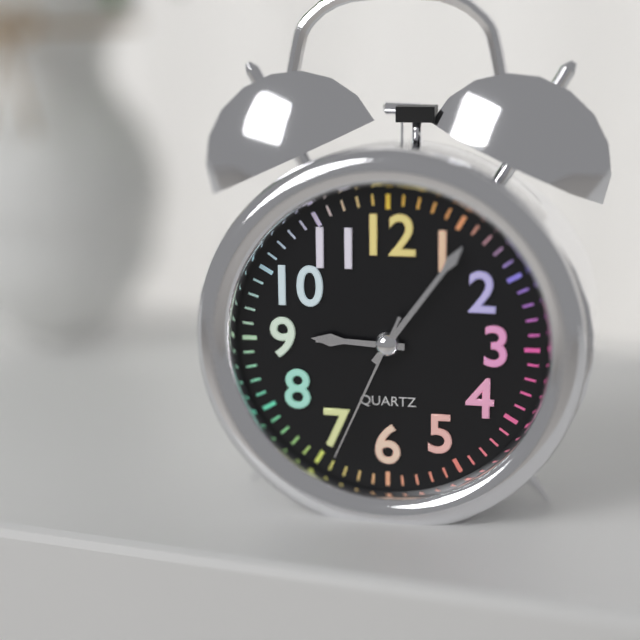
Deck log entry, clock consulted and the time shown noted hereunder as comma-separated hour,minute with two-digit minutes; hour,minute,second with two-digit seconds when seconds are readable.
9,06,34
